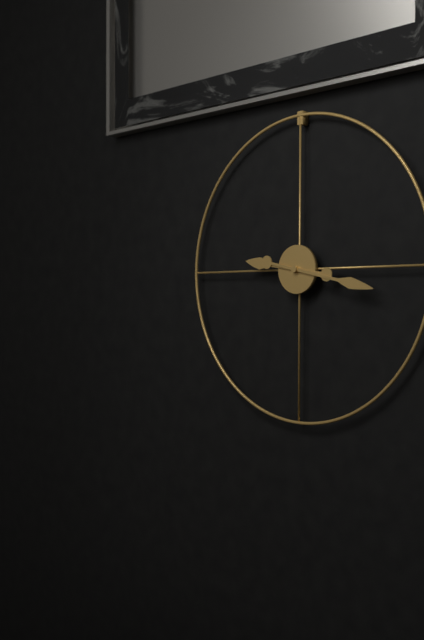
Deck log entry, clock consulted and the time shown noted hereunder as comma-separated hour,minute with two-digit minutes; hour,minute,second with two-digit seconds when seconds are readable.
9,17
